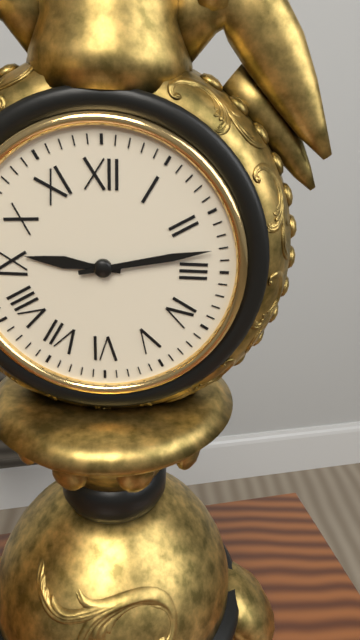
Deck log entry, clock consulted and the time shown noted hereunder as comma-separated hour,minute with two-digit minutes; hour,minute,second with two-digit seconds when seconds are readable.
9,13
